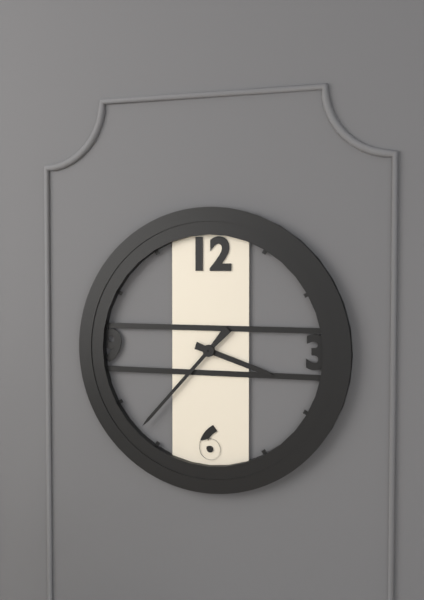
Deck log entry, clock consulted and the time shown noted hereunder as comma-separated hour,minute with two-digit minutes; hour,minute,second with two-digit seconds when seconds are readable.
3,37
